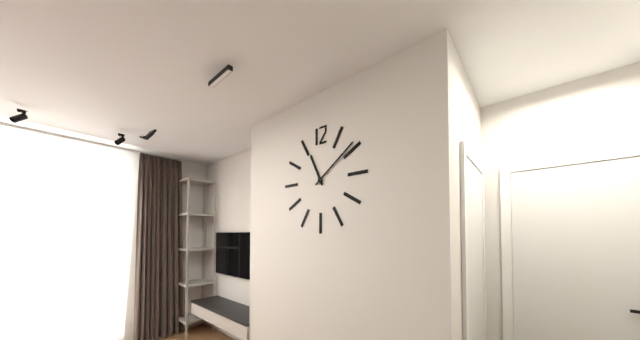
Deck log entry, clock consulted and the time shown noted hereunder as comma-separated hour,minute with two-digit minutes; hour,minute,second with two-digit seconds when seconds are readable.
11,09
